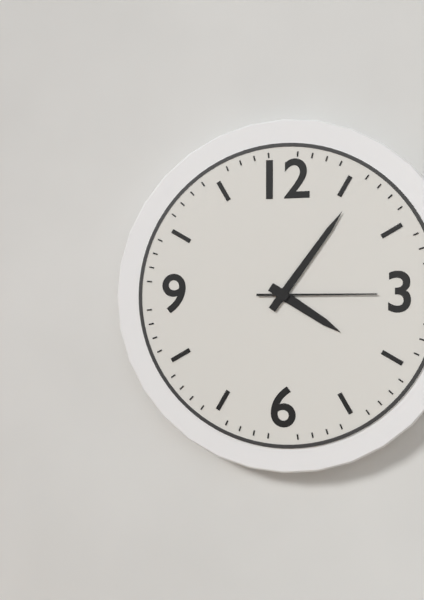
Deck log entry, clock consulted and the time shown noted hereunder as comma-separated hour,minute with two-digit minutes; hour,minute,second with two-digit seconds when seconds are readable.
4,06,15
